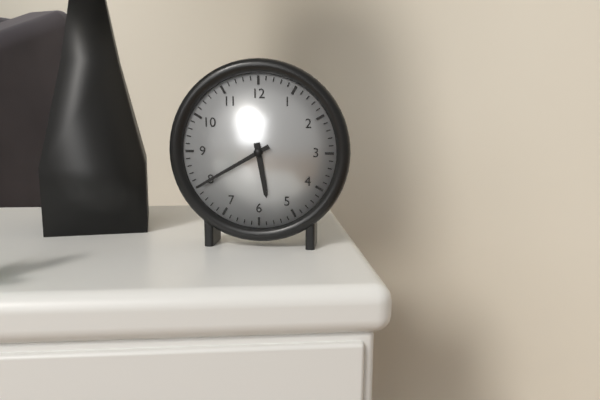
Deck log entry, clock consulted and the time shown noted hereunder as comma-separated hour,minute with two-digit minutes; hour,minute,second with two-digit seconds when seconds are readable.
5,40
